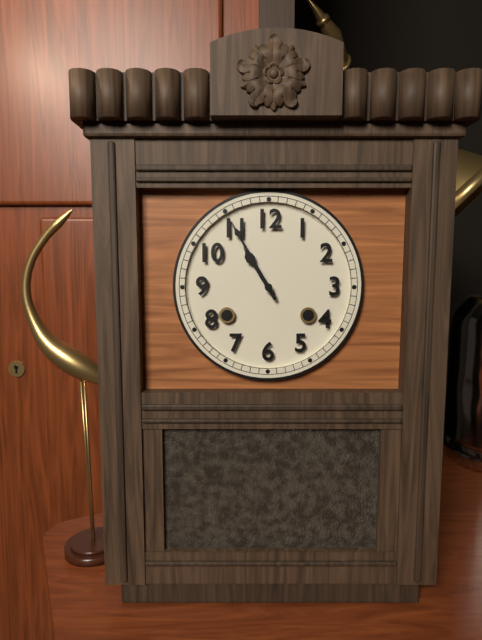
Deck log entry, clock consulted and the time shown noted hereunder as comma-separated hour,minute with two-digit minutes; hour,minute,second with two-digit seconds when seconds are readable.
10,55
